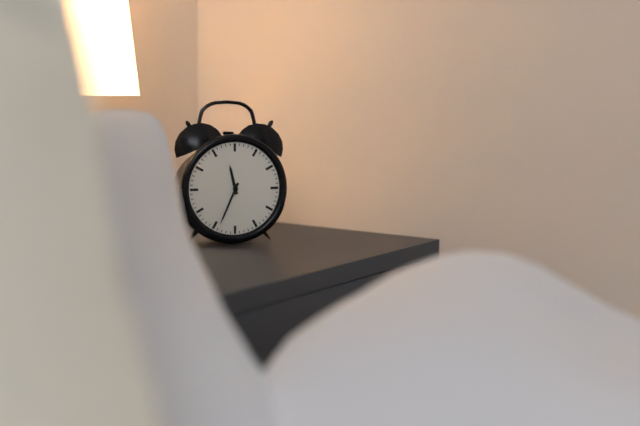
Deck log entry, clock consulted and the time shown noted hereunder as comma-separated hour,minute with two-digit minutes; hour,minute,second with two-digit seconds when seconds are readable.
11,34
